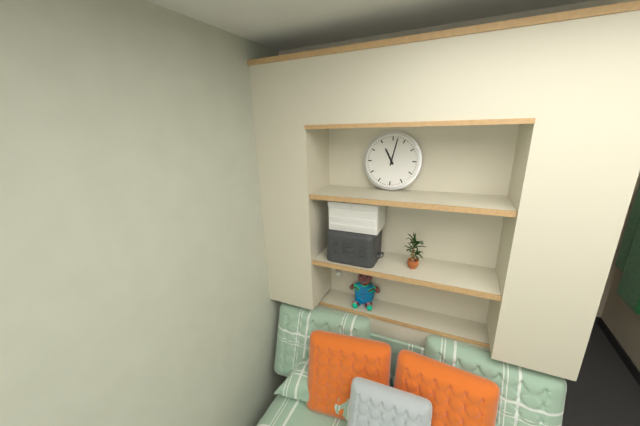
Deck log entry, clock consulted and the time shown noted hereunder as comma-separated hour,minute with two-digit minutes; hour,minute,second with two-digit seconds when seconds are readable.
11,02
